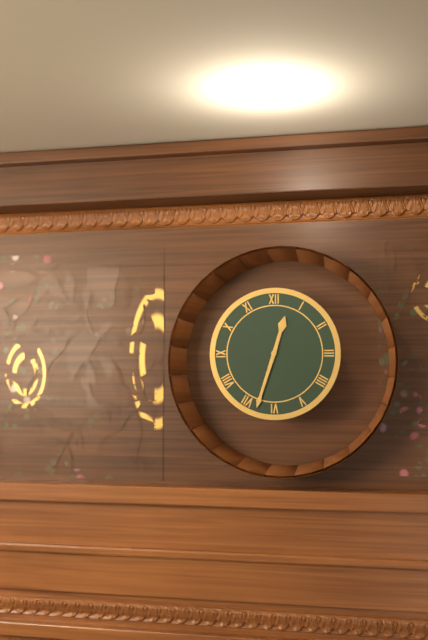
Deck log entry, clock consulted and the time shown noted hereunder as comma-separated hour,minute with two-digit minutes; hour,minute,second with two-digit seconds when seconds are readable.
12,33
